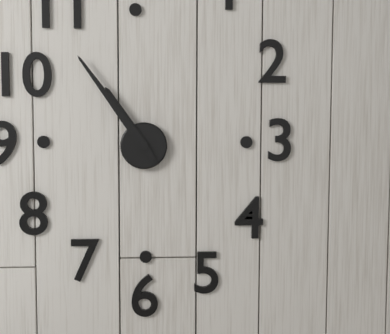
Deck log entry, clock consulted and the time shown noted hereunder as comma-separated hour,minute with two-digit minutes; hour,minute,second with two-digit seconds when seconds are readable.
10,54
